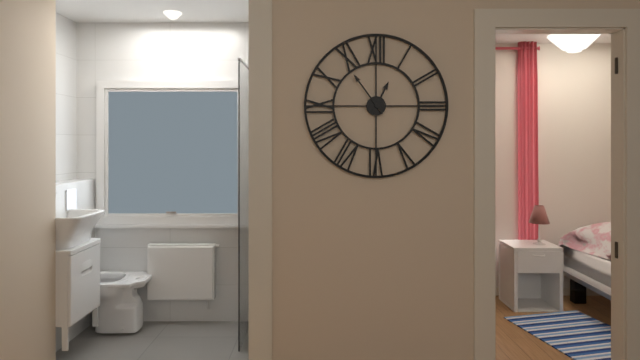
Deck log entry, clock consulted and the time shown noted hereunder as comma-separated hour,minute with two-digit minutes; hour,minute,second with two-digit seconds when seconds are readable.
12,54
